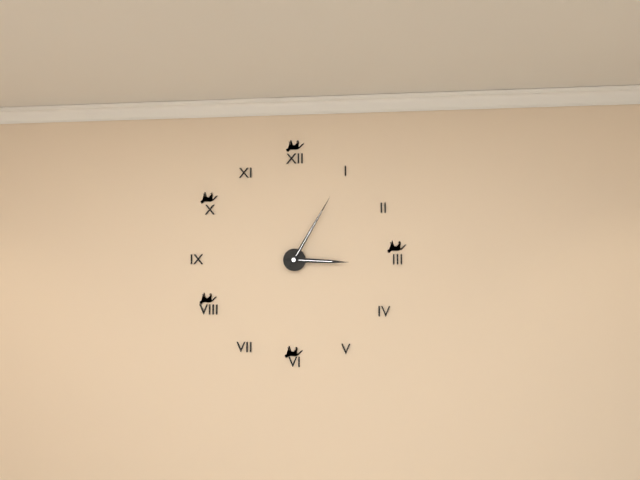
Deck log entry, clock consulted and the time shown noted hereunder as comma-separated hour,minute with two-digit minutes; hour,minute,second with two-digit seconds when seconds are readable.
3,05
